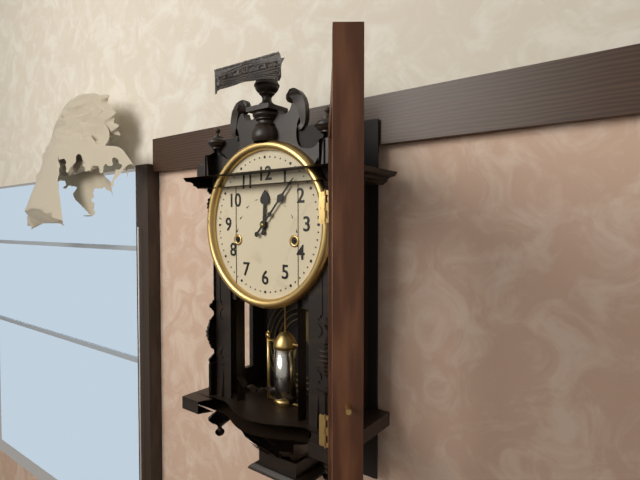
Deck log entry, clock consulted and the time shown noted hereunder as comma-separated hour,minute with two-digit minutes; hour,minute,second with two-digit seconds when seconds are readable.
12,07
